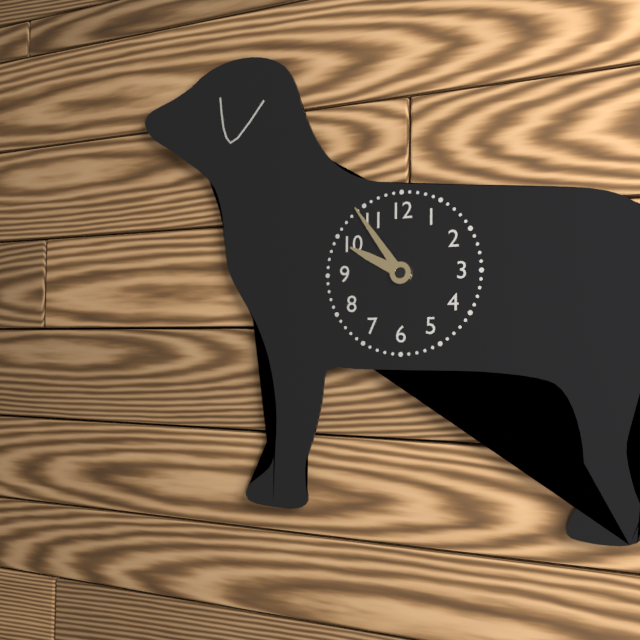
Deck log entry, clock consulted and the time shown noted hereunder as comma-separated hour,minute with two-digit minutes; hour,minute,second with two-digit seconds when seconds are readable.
9,54
